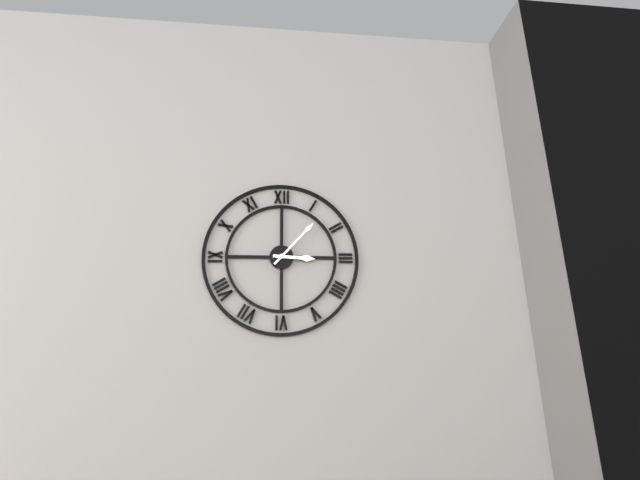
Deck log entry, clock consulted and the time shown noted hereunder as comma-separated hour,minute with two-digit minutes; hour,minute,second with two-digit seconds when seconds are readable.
3,07
